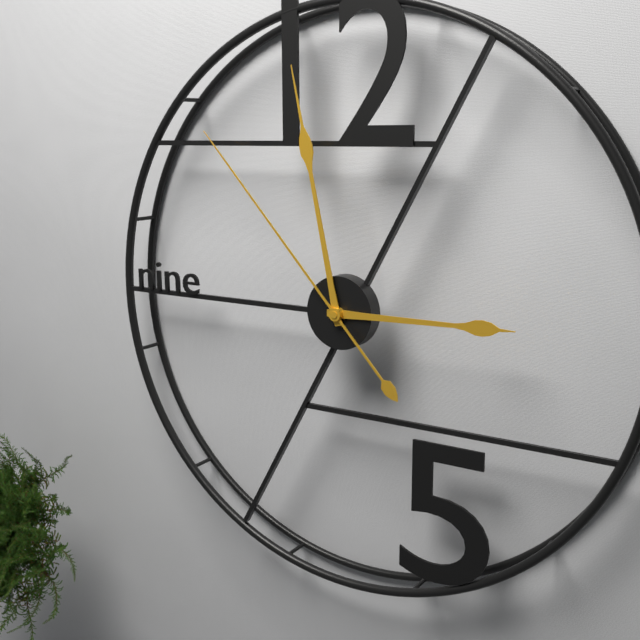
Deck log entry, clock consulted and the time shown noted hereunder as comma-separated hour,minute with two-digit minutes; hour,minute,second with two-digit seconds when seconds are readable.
2,58,53
